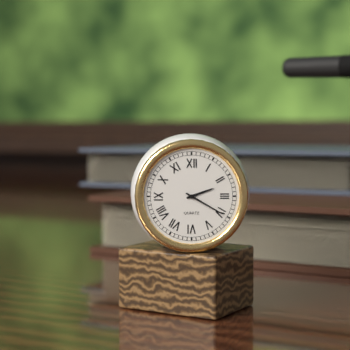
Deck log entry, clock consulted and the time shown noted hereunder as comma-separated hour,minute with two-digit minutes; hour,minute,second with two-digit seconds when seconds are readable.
2,20
